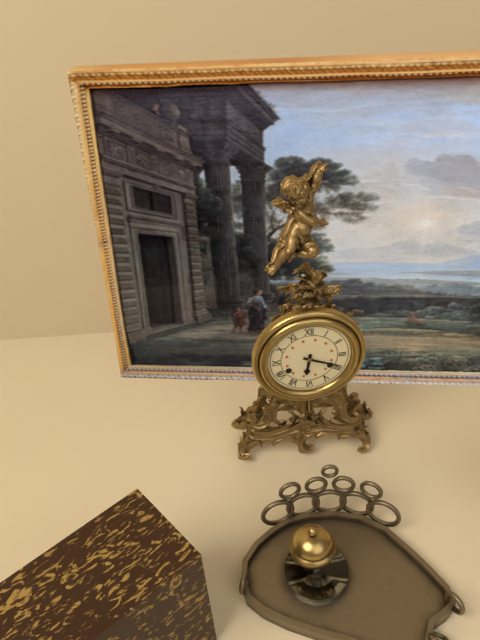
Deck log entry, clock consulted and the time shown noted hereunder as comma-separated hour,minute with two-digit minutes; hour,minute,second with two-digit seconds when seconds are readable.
6,19
